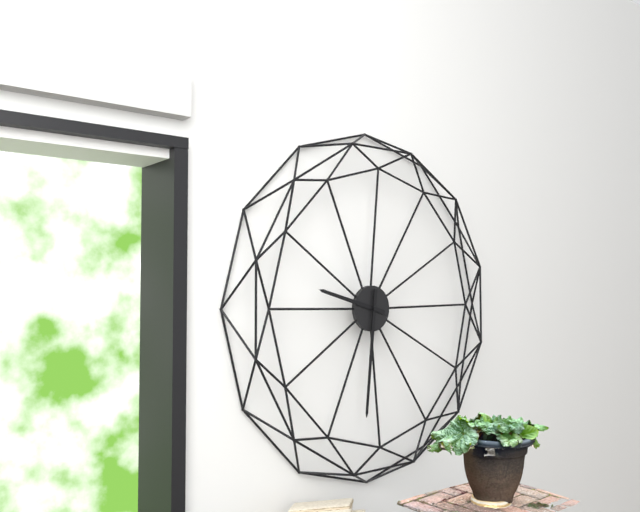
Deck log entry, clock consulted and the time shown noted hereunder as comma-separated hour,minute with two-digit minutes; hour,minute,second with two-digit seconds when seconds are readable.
9,31
